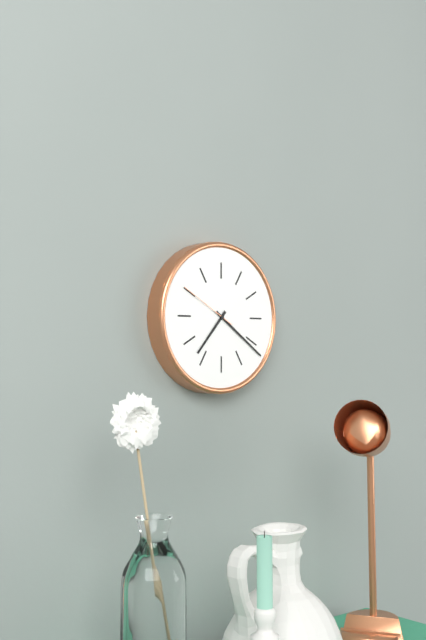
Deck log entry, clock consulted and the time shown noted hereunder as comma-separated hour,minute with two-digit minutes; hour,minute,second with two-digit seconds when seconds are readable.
7,21
